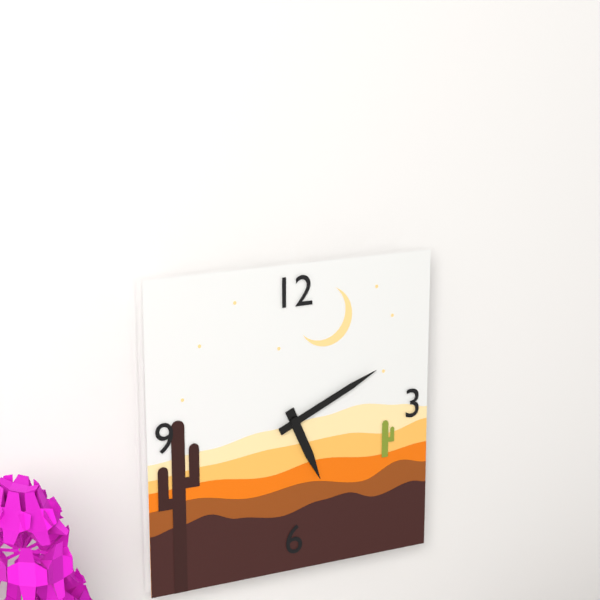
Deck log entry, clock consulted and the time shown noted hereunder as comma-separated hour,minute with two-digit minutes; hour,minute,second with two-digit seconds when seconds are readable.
5,11
